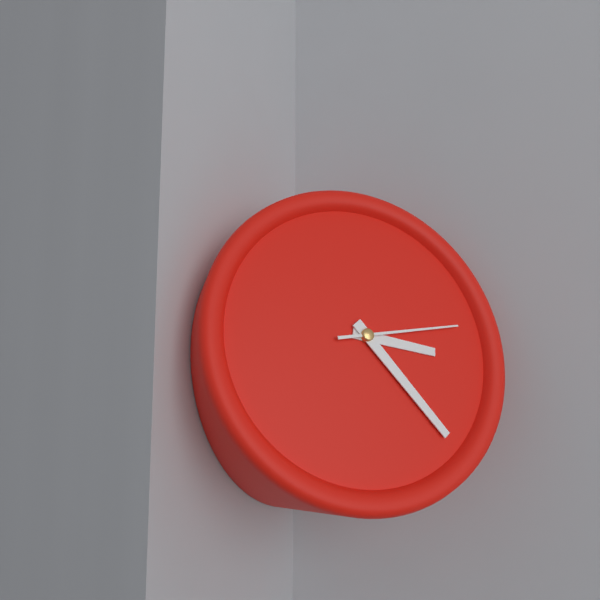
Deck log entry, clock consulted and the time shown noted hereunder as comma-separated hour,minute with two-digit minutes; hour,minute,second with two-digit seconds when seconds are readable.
3,24,14
